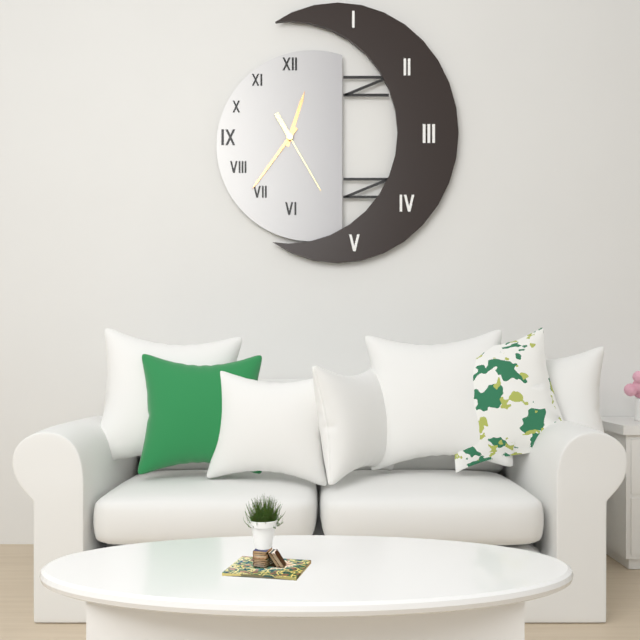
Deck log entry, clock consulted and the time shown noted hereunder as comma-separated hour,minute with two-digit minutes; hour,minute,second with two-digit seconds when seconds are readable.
12,36,25
